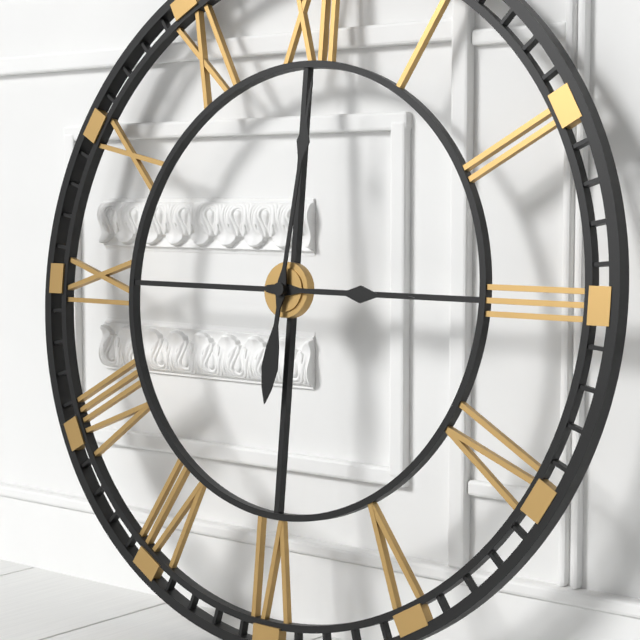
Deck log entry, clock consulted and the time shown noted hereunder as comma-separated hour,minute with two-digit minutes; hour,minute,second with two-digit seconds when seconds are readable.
3,01
